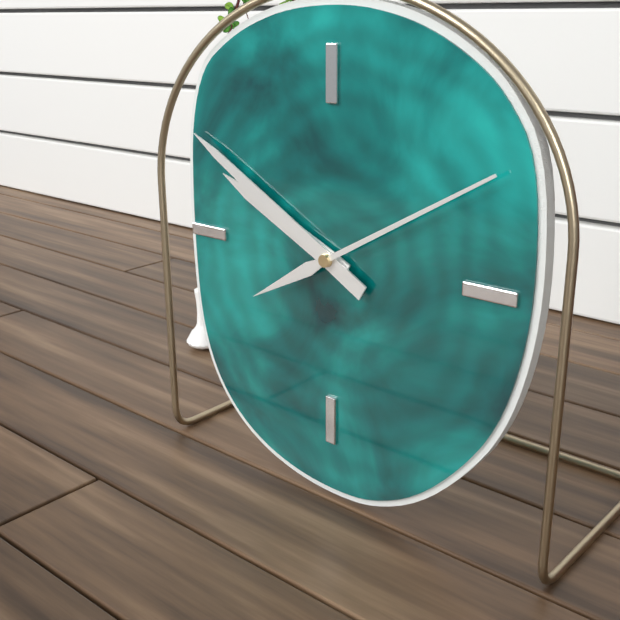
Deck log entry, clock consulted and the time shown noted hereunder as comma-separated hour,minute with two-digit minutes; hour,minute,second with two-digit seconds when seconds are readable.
9,50,10
